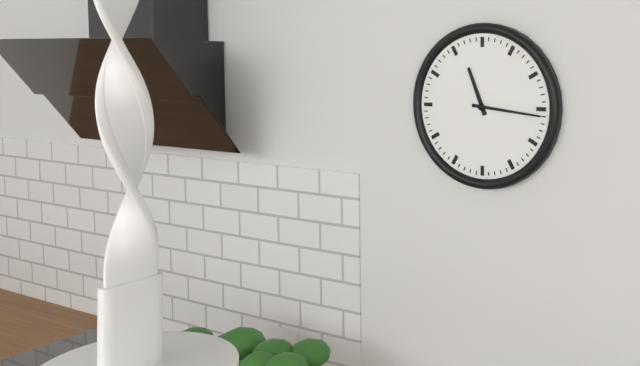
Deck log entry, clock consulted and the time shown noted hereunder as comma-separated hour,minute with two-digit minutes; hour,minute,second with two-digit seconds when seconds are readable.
11,16
